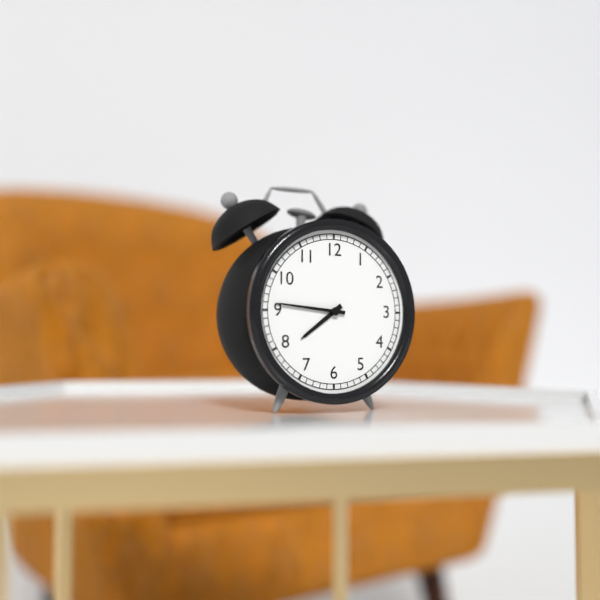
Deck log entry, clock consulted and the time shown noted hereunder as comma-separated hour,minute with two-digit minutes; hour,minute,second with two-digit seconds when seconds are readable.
7,46
